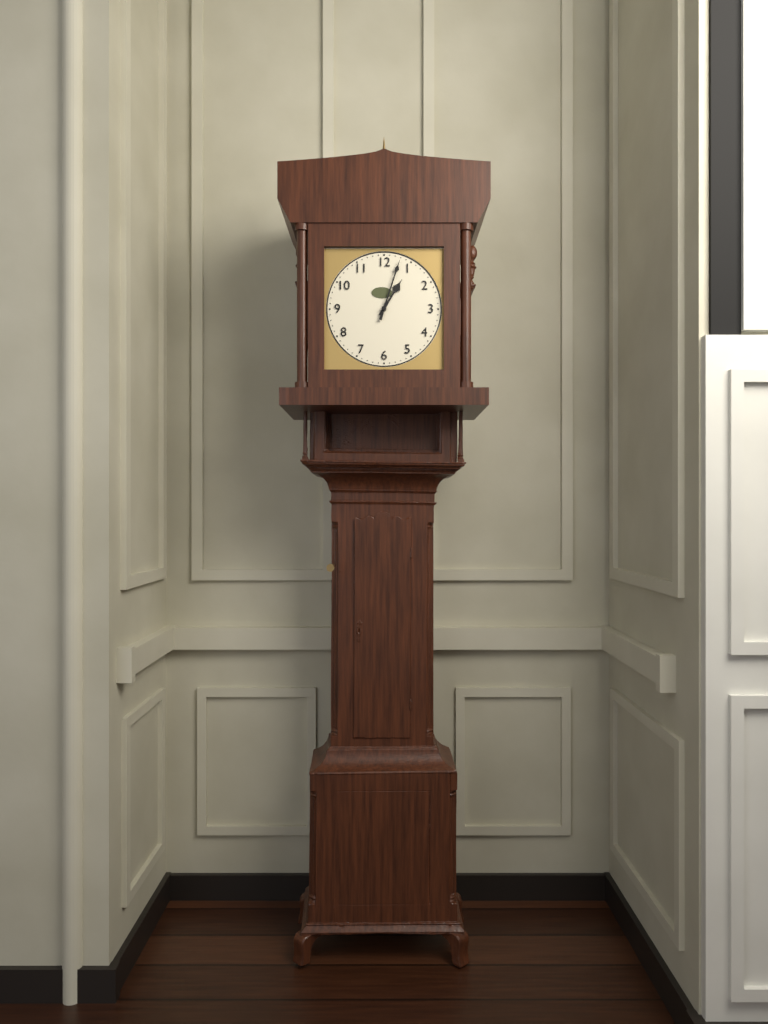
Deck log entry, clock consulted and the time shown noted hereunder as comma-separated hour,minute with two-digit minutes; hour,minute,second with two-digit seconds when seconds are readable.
1,03
